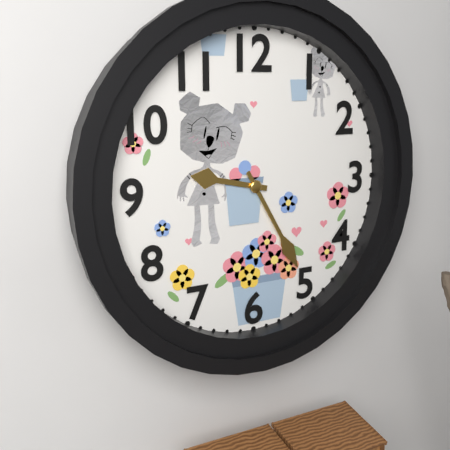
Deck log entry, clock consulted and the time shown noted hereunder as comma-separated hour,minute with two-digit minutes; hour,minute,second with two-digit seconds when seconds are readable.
9,25
